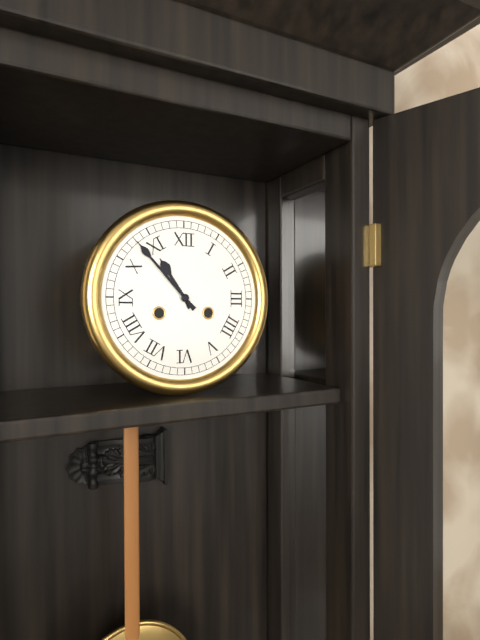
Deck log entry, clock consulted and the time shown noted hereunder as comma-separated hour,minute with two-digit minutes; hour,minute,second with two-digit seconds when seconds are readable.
10,53
